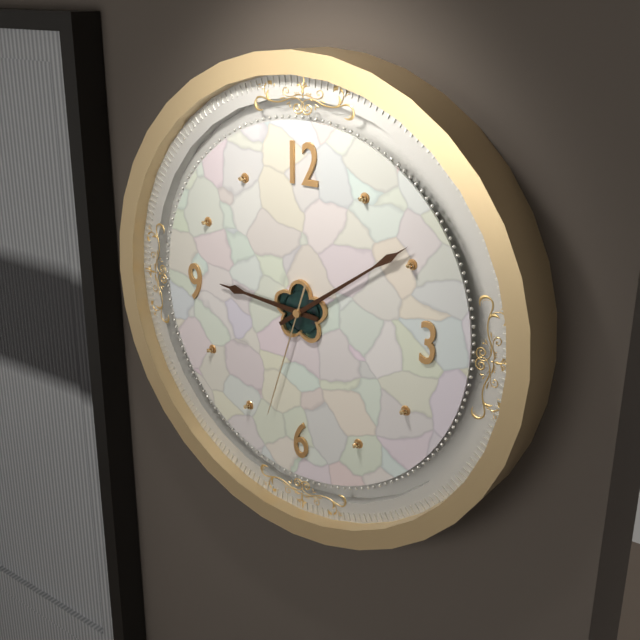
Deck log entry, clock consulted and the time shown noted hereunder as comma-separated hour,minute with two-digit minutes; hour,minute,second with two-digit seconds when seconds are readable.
9,09,33
